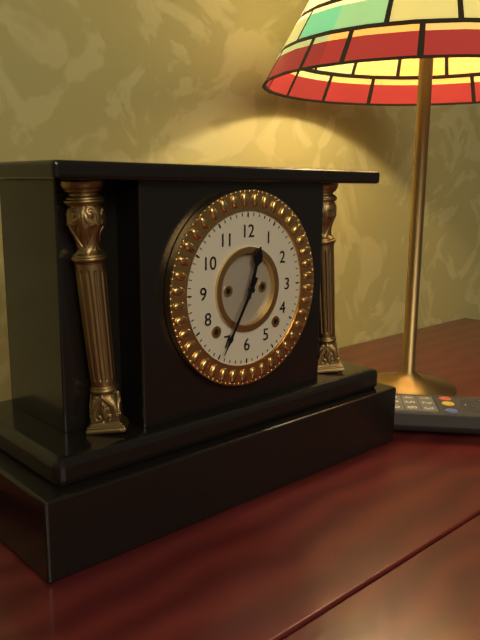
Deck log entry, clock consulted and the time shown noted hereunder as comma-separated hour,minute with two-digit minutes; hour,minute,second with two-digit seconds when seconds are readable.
12,35
